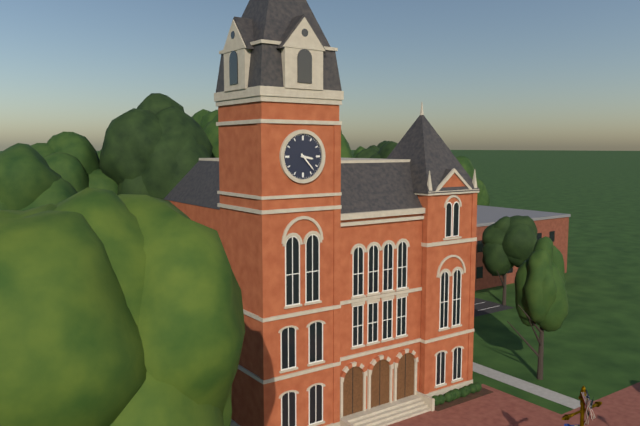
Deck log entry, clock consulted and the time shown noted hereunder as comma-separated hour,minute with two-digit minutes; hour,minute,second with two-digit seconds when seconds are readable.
3,23
